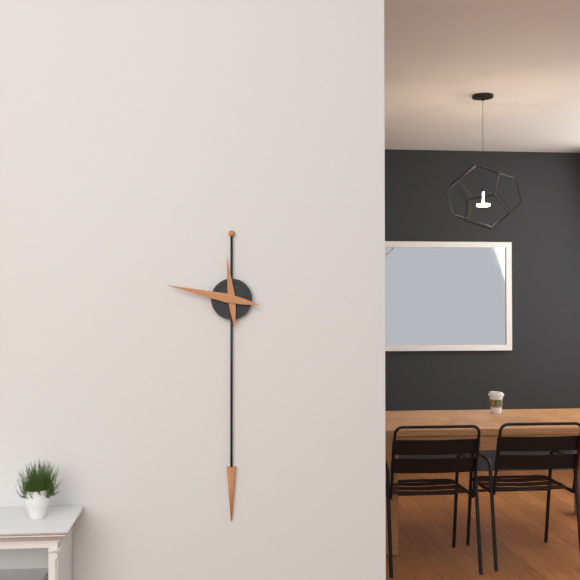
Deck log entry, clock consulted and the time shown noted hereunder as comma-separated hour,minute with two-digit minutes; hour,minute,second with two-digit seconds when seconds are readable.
11,47
